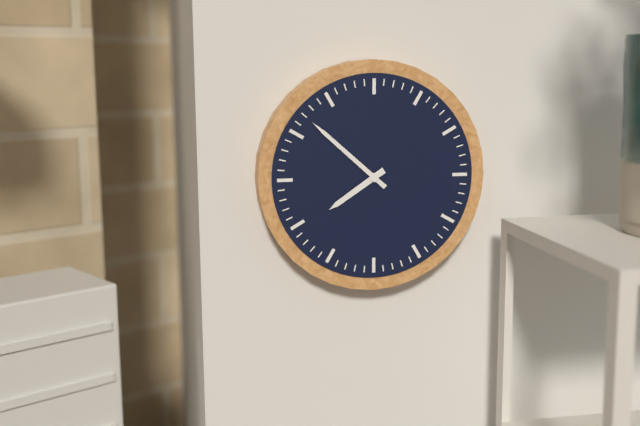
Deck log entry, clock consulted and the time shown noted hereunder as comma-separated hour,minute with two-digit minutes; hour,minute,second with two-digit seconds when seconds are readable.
7,52
